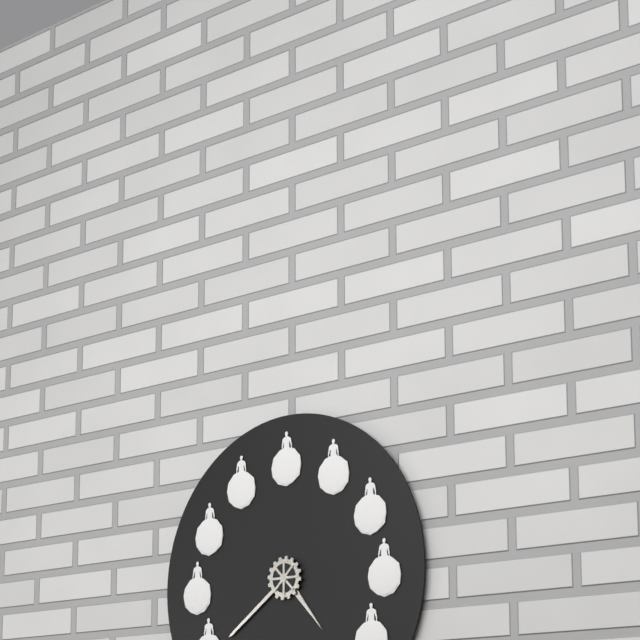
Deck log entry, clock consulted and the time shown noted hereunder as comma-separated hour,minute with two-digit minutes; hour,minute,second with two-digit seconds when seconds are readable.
4,39
